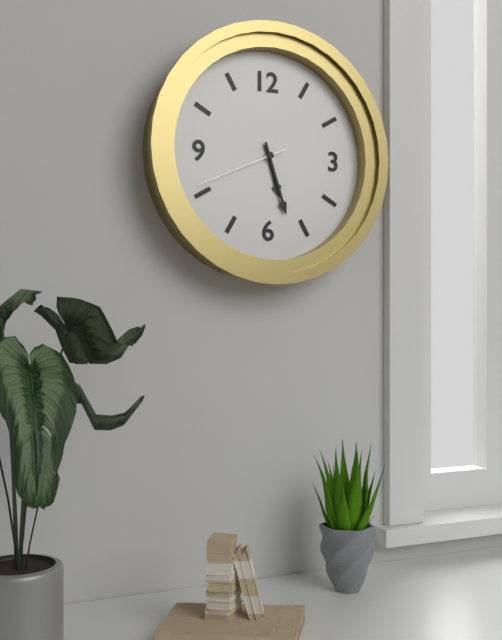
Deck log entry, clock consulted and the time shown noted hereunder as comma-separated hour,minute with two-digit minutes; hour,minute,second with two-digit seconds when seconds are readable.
5,27,41
